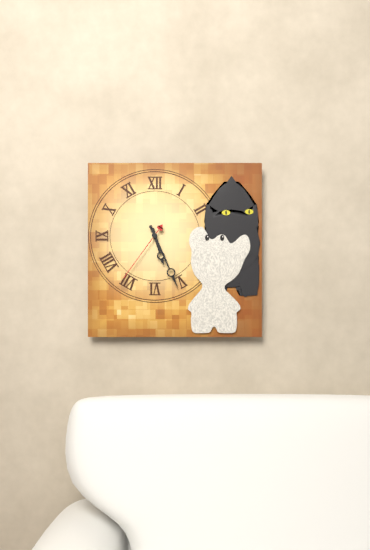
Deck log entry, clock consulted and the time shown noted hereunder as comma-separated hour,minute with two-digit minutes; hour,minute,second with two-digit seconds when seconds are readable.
5,26,36
